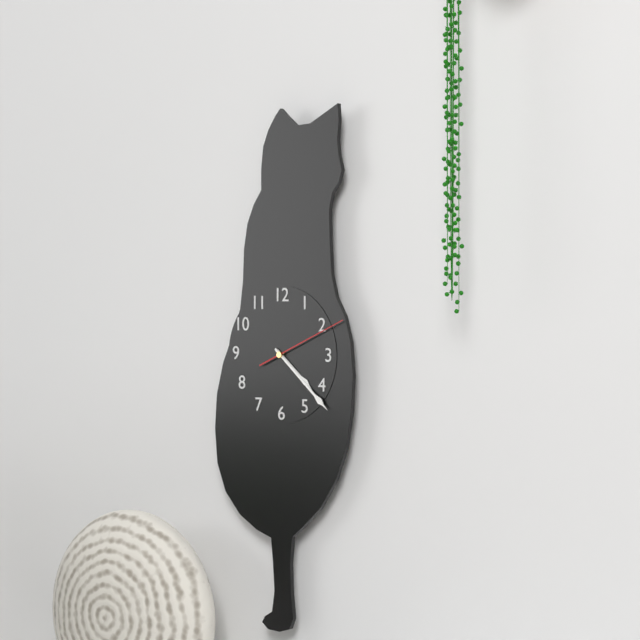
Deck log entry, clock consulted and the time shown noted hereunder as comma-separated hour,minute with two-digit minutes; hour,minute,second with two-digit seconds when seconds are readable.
4,22,11
